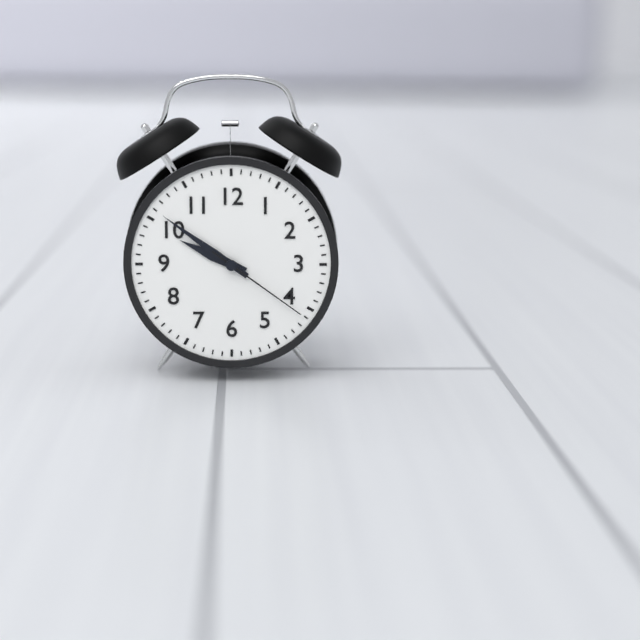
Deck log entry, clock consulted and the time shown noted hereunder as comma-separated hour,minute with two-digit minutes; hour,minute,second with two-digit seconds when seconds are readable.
9,51,21
